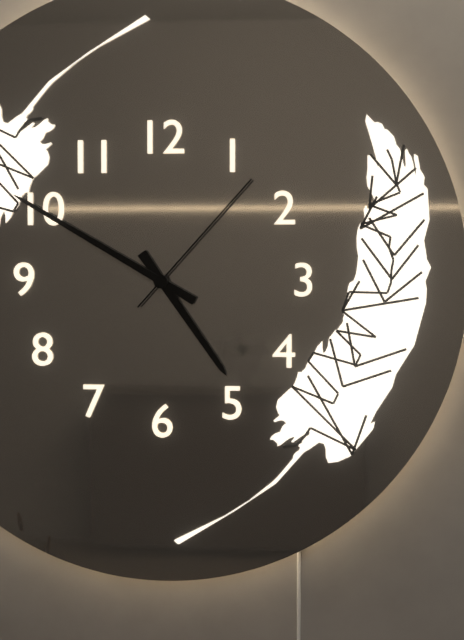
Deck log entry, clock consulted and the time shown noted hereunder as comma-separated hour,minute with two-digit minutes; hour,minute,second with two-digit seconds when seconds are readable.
4,50,07
